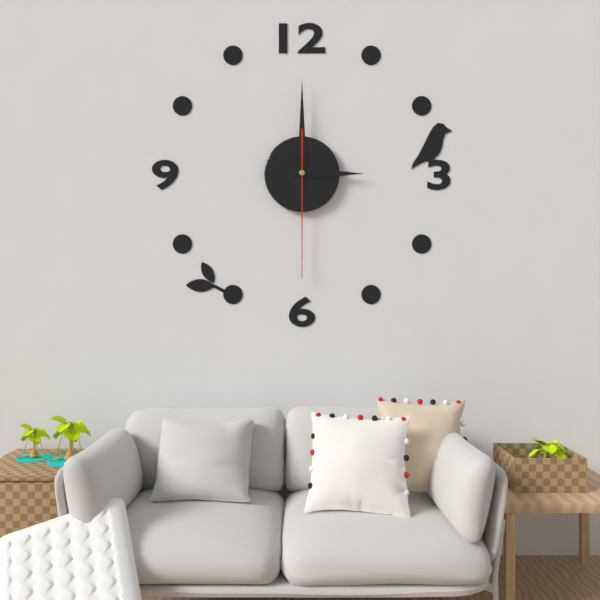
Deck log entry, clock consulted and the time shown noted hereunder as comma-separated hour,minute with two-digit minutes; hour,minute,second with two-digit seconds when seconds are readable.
3,00,30
